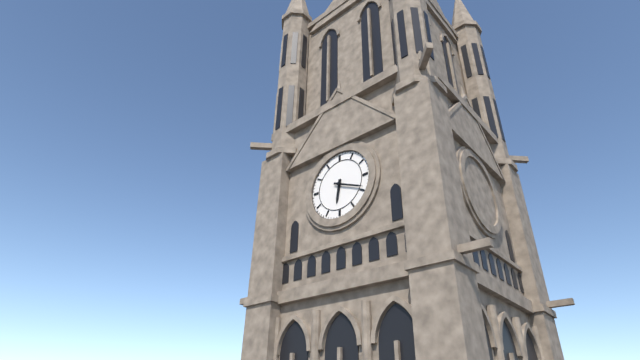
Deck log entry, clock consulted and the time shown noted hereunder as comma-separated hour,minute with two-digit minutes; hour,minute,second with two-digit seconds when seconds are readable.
6,19
